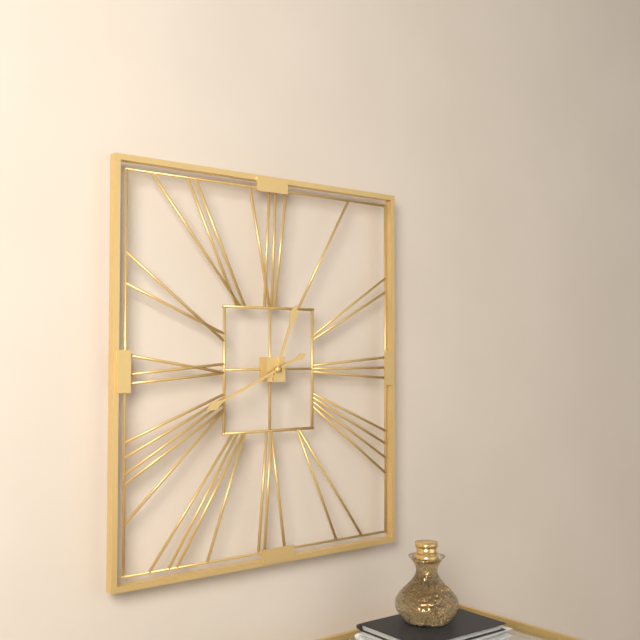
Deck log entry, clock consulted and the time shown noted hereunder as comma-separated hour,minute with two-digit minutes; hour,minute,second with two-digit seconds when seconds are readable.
12,41
